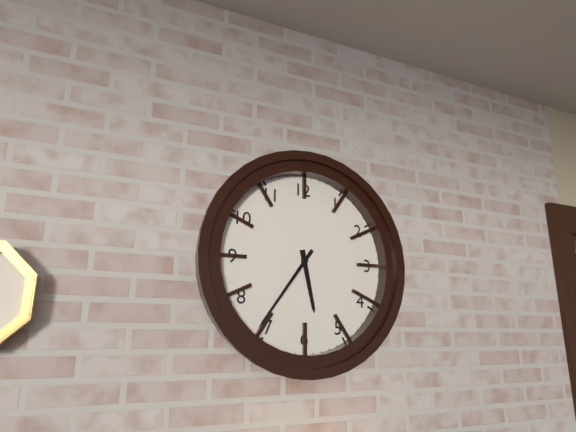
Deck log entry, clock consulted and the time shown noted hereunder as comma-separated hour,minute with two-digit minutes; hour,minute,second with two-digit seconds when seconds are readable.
5,36
